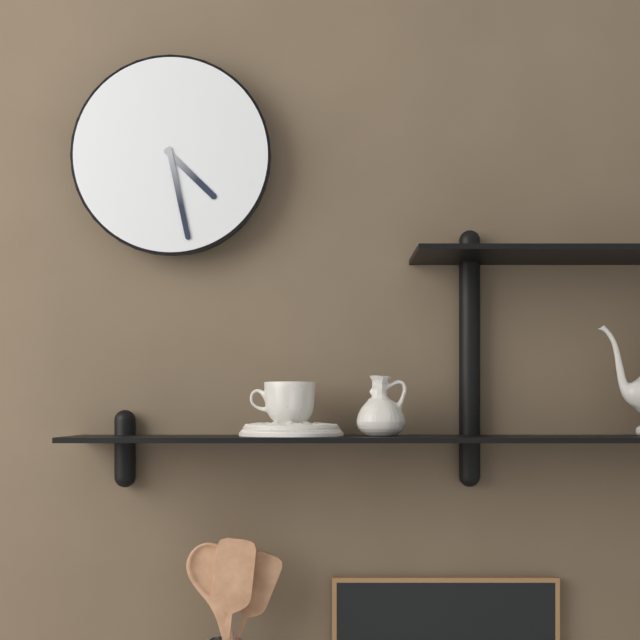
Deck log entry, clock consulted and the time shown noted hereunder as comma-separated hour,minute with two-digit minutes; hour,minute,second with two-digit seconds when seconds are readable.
4,28
